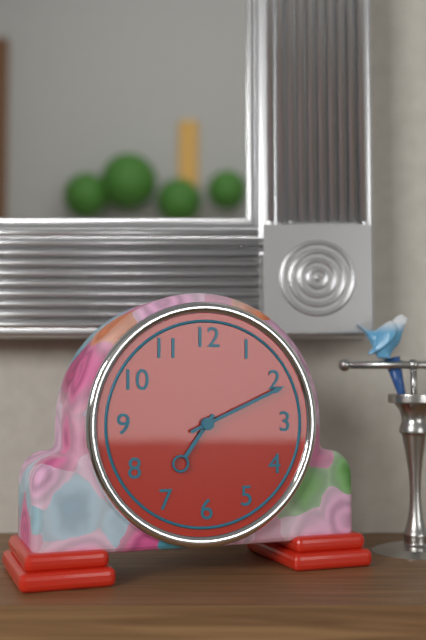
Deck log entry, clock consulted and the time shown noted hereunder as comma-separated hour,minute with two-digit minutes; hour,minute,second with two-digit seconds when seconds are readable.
7,11
